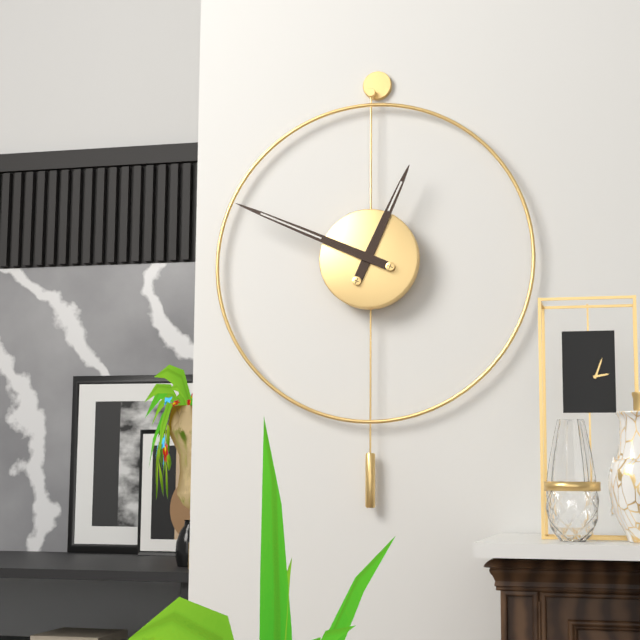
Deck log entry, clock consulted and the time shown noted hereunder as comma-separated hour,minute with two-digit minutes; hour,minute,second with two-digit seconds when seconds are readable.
12,49
